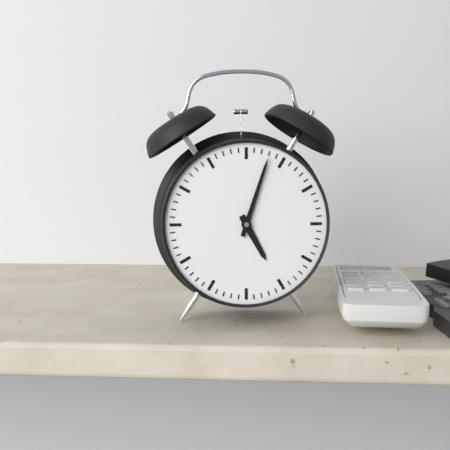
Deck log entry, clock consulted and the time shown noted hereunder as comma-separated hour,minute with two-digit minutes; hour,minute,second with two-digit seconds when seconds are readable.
5,03
